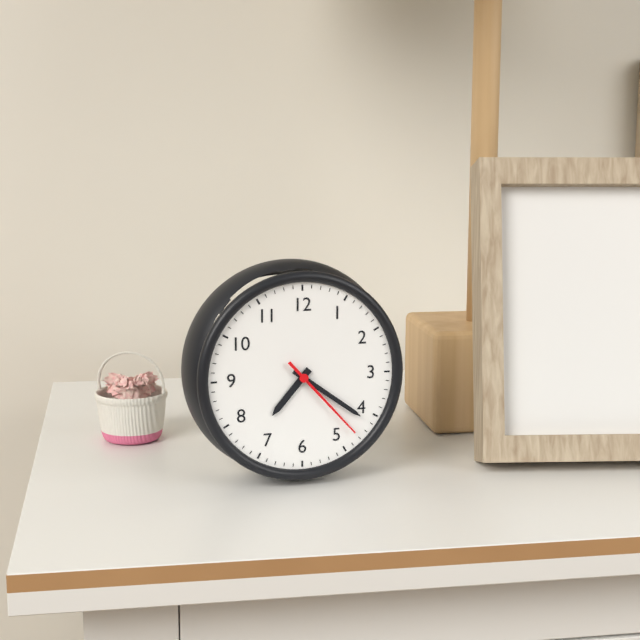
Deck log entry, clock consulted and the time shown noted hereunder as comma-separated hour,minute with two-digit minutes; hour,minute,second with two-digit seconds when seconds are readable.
7,21,23
